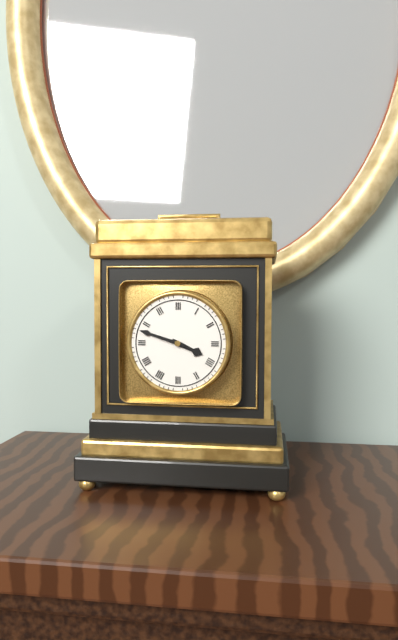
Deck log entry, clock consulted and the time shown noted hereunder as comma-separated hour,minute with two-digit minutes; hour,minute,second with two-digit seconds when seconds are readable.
3,48
